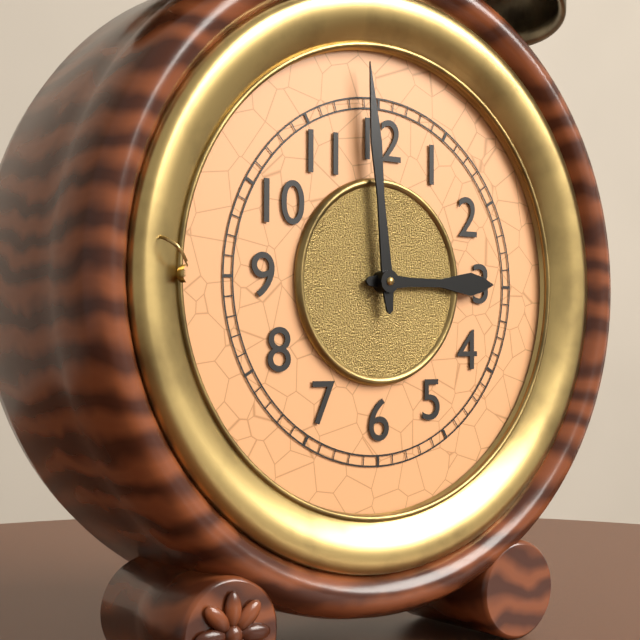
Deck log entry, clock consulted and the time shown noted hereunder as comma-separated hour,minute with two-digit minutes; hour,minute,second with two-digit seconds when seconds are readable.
2,59
